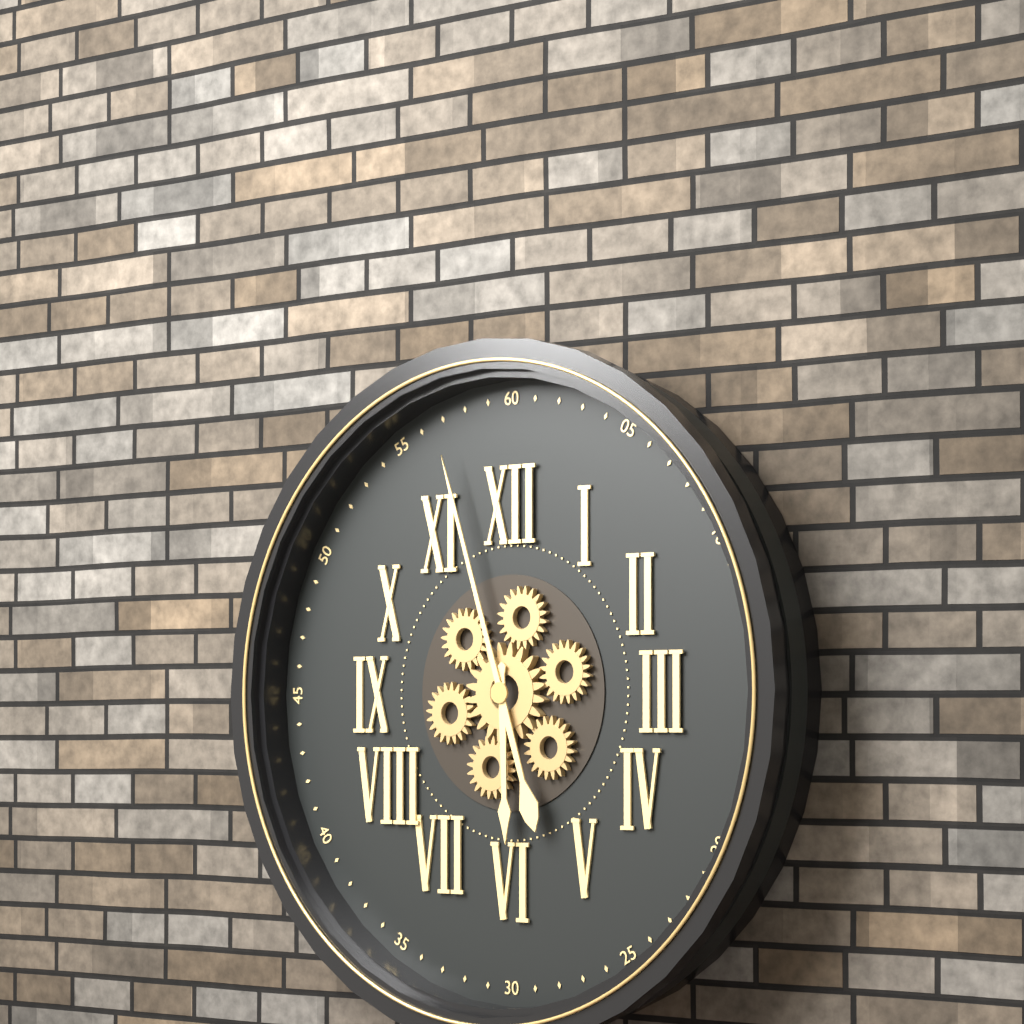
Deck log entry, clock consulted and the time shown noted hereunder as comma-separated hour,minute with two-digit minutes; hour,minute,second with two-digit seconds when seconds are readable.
5,57
